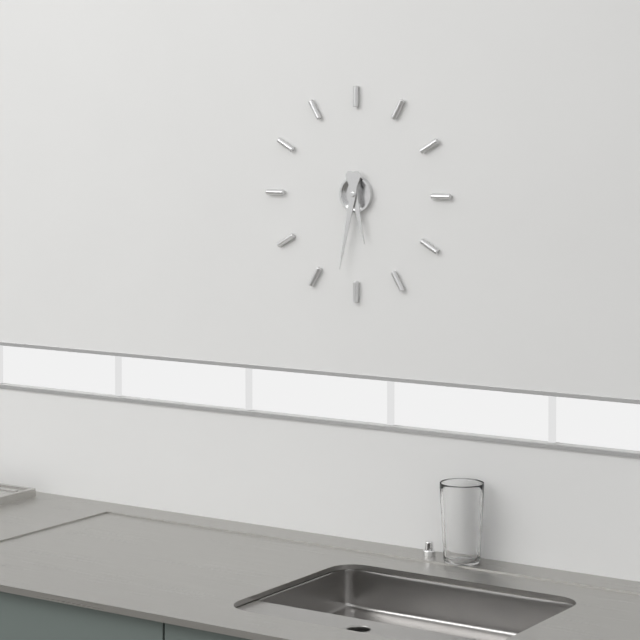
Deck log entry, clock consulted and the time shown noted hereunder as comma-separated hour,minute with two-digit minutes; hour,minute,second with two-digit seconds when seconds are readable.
5,32
